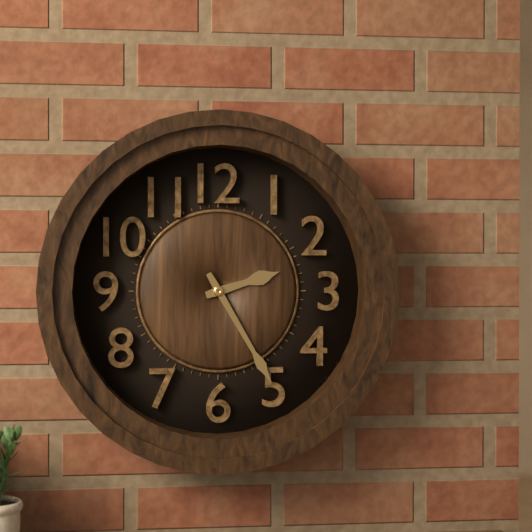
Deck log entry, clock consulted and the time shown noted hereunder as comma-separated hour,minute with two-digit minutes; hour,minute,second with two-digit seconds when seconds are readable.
2,25
